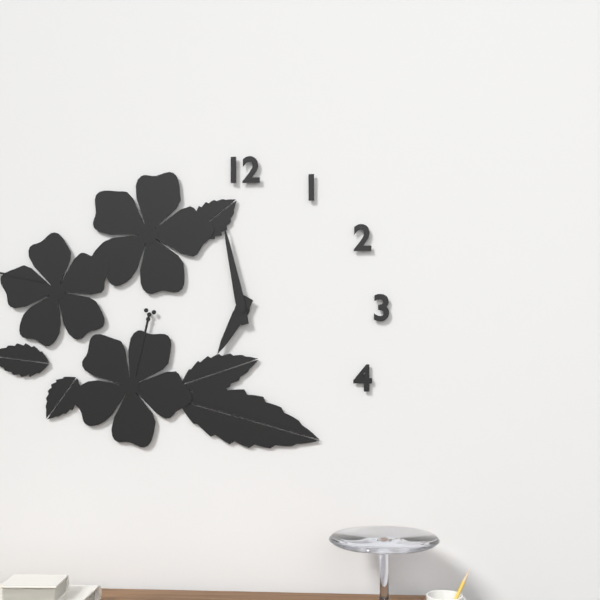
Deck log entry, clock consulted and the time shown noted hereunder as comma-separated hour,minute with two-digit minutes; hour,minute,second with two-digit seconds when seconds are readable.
6,58
